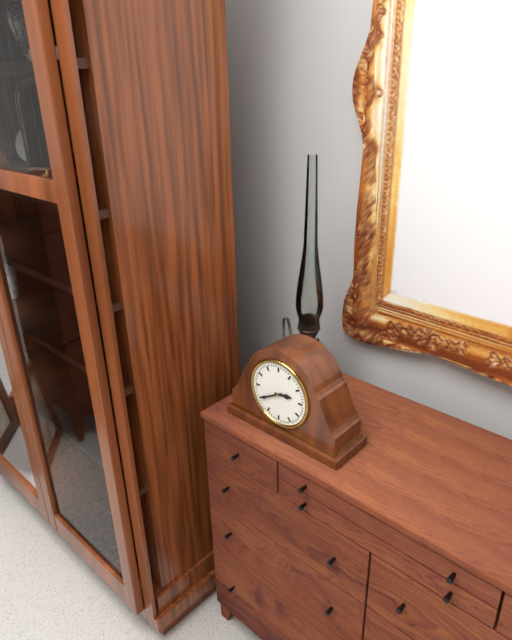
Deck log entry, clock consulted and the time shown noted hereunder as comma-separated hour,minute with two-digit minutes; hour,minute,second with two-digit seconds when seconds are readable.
2,40
